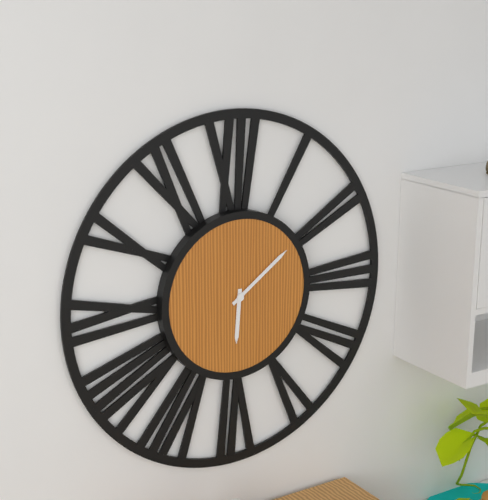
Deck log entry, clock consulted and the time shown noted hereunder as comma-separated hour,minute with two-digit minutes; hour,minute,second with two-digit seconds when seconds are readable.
6,09
